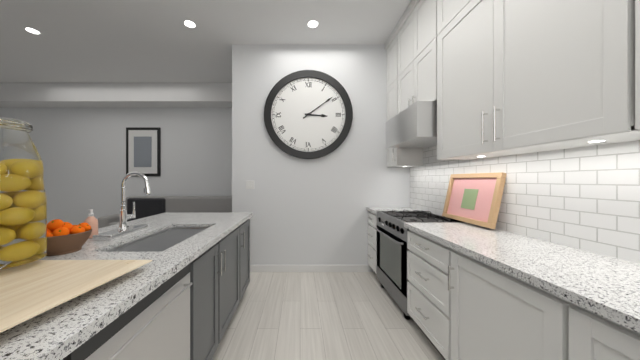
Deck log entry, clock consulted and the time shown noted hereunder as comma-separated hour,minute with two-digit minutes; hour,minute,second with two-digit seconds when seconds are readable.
3,09
